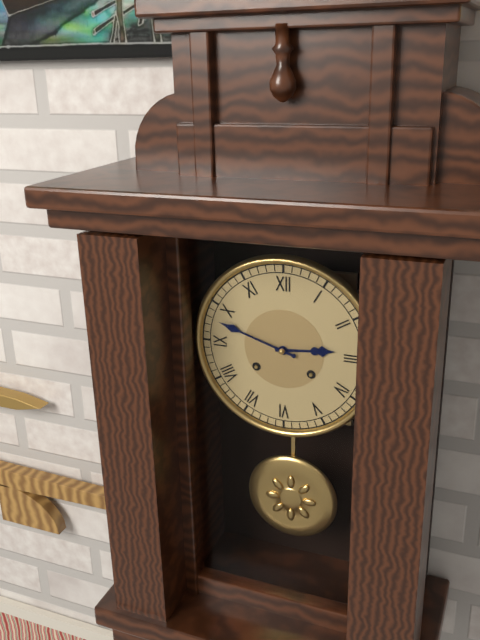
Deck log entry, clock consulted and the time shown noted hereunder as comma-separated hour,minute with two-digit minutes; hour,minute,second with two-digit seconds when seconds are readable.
2,48
